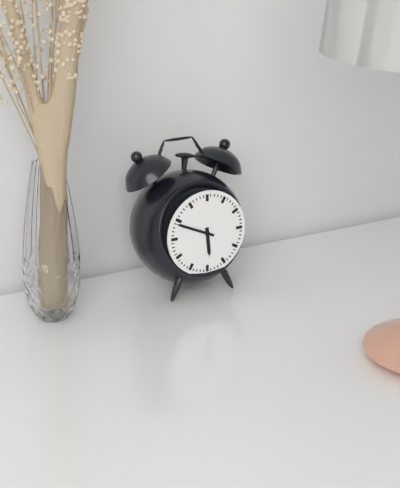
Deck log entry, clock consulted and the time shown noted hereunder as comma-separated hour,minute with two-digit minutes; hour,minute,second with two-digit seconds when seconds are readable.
5,49
